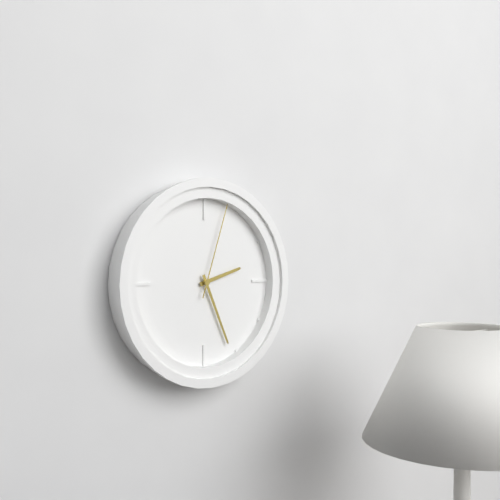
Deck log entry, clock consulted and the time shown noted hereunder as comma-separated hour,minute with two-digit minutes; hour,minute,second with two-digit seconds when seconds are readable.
2,26,03
